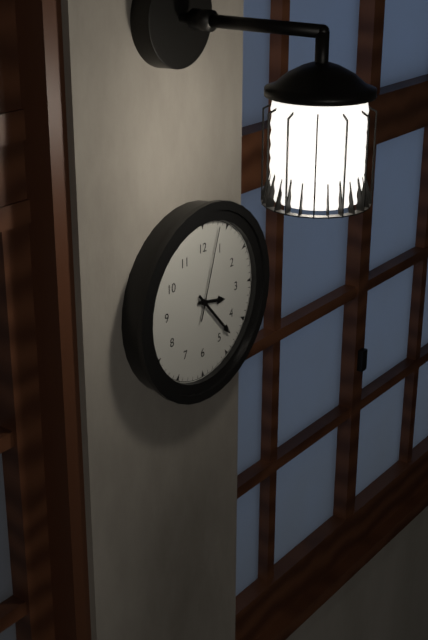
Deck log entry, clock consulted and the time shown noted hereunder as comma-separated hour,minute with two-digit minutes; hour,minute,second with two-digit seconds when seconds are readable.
3,23,03
